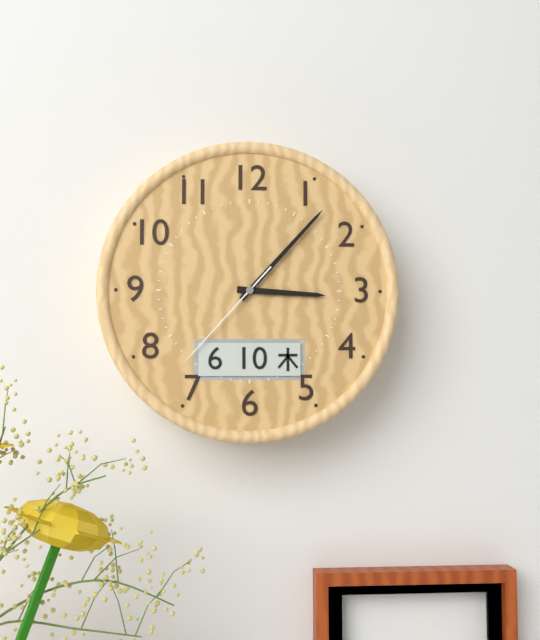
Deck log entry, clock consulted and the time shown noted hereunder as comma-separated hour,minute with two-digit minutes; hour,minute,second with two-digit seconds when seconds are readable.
3,07,37
